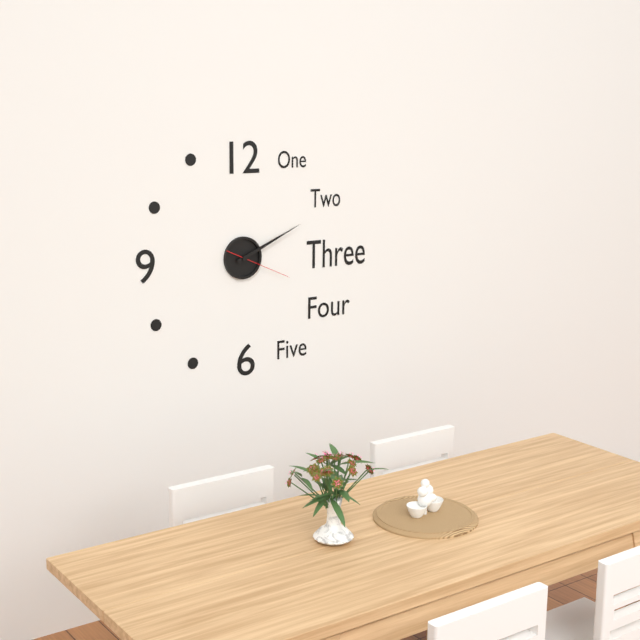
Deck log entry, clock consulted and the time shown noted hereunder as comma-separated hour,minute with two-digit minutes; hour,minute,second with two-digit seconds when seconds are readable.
2,11,19
